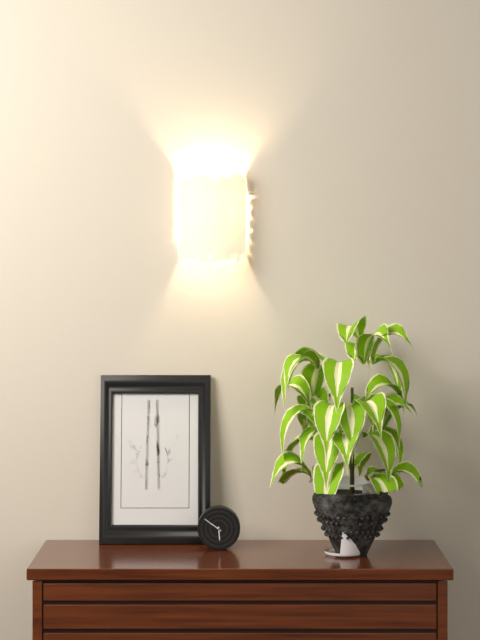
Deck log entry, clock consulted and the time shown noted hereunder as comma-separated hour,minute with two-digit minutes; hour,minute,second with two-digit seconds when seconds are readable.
5,51
